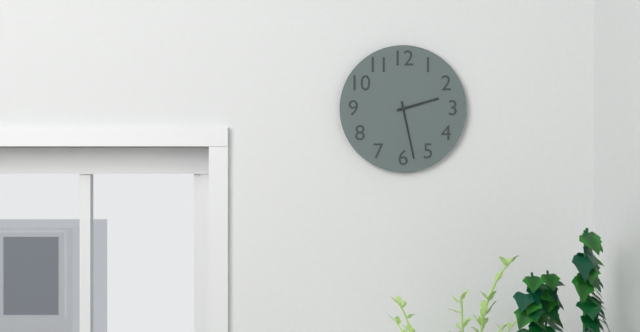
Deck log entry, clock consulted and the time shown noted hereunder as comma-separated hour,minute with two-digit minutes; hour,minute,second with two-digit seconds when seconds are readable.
2,28
